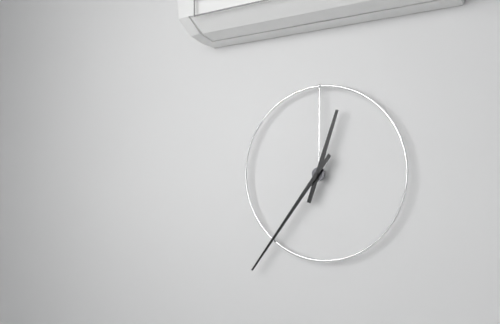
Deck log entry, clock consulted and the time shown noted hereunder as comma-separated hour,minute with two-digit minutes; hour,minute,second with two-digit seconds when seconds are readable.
12,36
